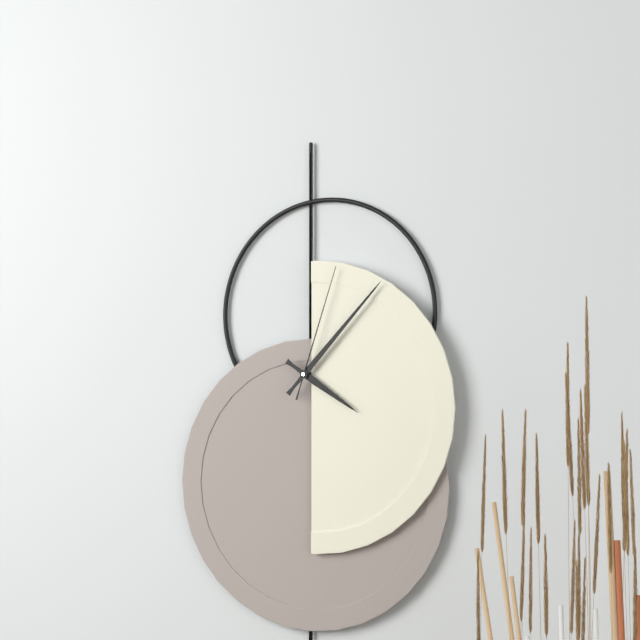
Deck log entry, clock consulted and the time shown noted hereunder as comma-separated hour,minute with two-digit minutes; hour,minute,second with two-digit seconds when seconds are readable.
4,07,03
